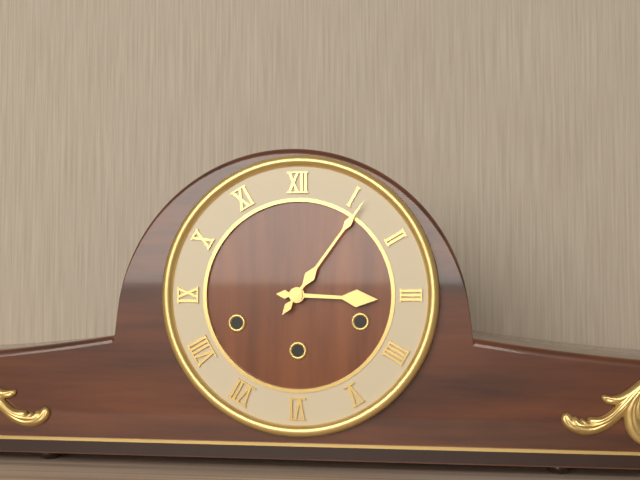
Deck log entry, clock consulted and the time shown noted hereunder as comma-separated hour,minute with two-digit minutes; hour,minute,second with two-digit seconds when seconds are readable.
3,06
